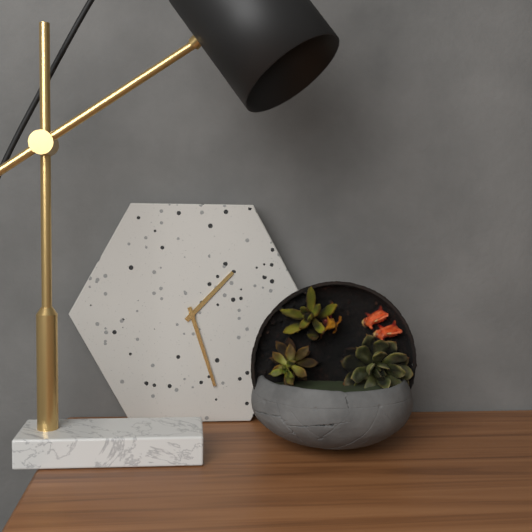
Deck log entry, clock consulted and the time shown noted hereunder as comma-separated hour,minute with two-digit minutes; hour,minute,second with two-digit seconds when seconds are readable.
1,27
